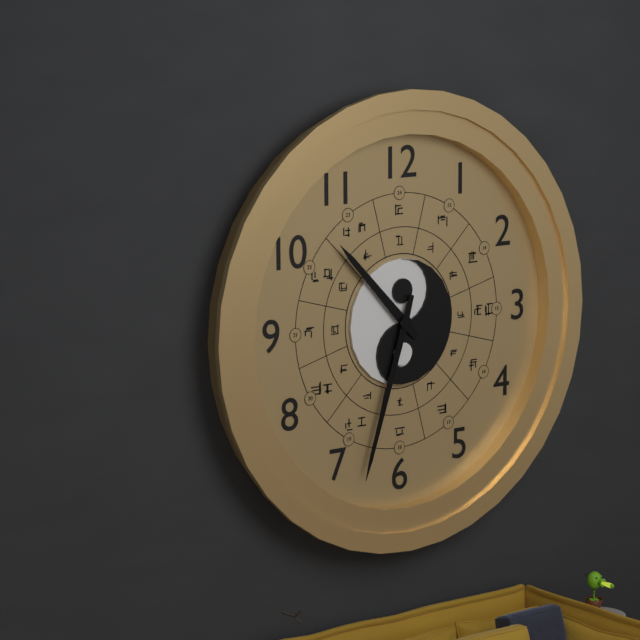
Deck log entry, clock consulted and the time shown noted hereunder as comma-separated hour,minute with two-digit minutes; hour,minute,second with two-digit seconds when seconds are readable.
10,33
